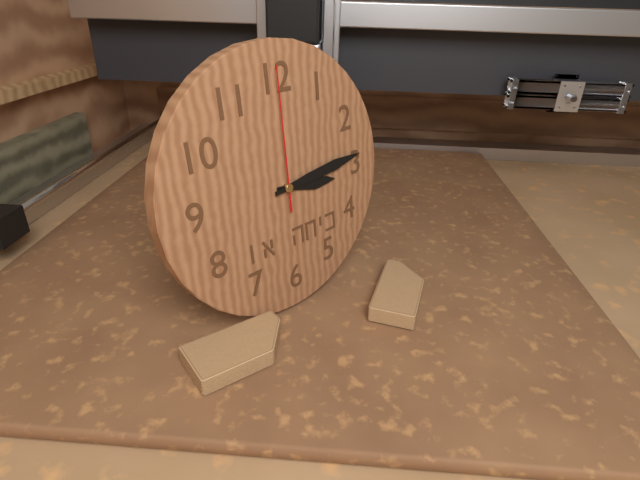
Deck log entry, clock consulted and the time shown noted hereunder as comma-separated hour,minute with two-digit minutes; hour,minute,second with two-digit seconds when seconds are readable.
3,14,00
